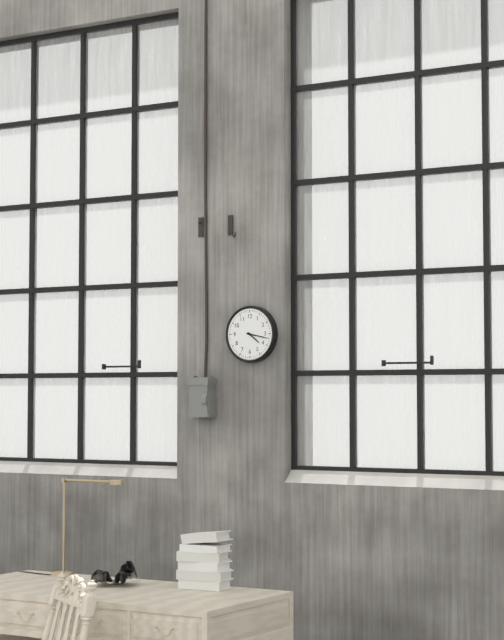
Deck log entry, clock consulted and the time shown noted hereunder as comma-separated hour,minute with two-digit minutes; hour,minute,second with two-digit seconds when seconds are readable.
4,17
